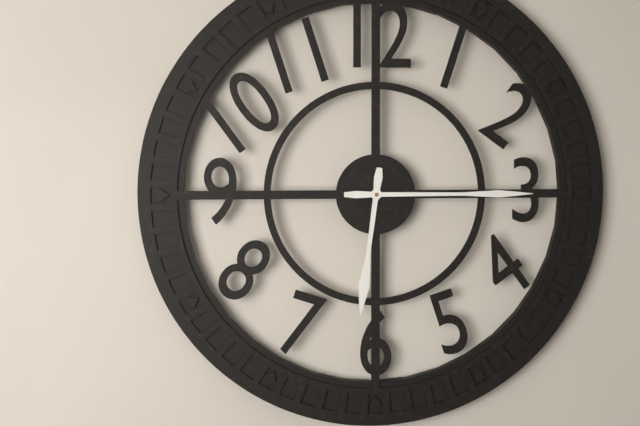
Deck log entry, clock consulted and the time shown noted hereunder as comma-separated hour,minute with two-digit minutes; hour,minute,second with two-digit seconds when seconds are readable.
6,15
